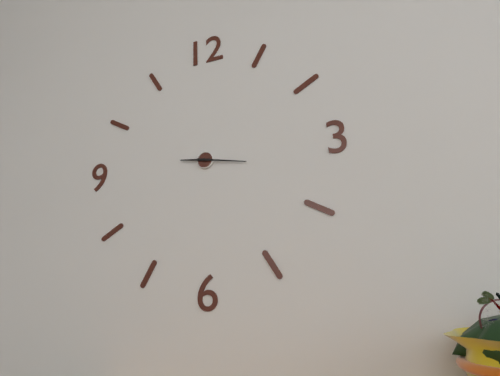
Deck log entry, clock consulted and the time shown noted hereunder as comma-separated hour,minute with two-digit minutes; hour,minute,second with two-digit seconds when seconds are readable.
9,17
